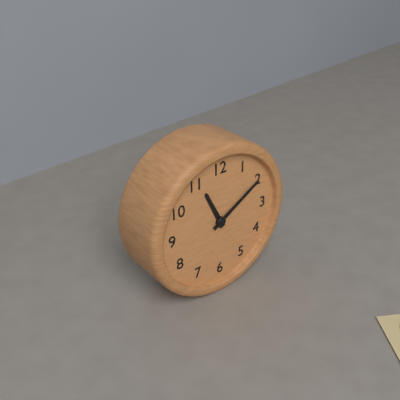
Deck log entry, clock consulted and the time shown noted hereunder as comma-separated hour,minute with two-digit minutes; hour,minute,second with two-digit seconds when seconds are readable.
11,10
